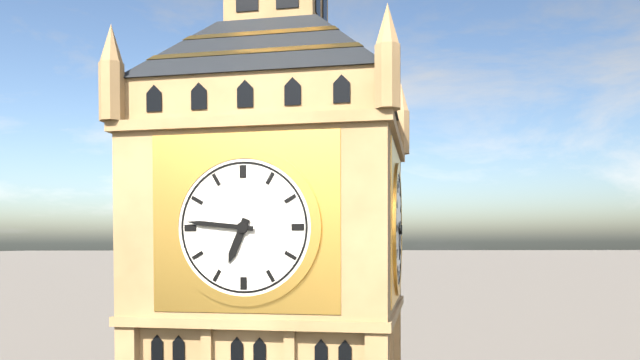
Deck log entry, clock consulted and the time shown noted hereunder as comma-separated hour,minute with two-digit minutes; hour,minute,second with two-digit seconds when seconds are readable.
6,46
